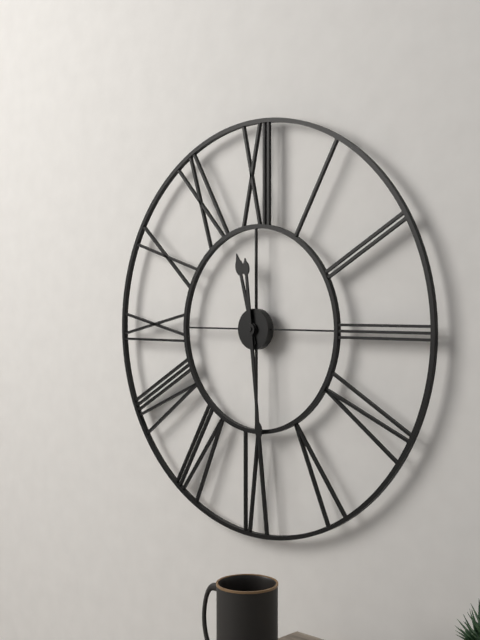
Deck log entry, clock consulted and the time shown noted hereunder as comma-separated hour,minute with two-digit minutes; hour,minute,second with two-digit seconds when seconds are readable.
11,29
